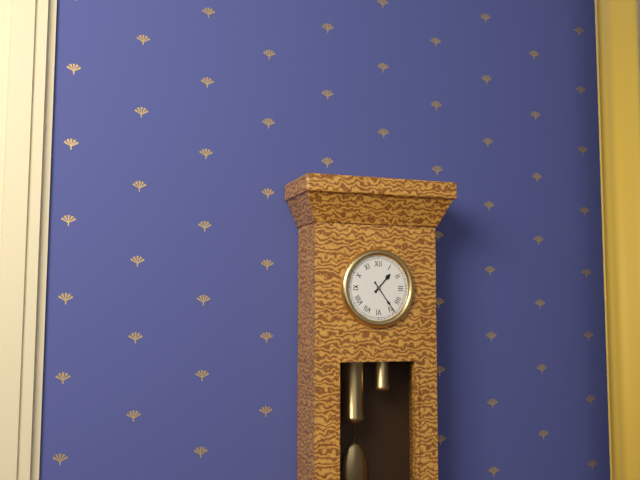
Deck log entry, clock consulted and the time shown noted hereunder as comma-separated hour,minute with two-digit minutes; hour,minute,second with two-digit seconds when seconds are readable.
1,24
